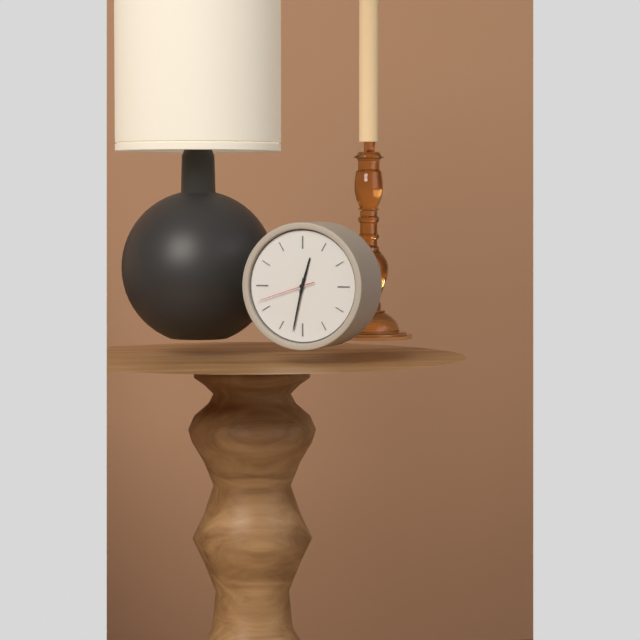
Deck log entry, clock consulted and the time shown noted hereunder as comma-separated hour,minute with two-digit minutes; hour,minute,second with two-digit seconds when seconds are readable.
12,32,42
